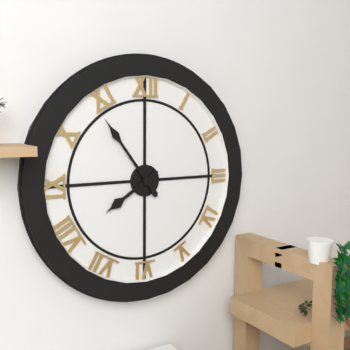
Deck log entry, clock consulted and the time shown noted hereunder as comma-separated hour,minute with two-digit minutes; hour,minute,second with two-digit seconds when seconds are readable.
7,54
